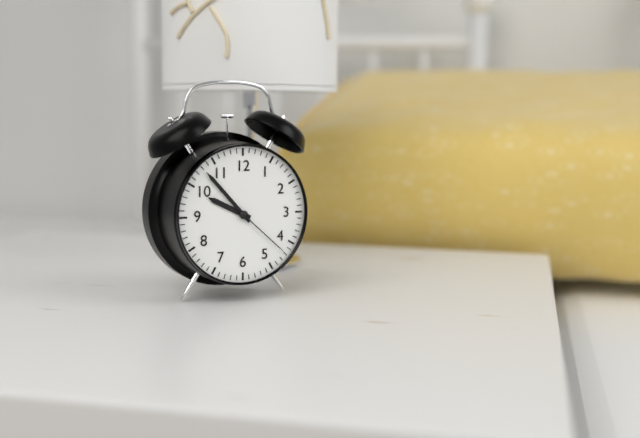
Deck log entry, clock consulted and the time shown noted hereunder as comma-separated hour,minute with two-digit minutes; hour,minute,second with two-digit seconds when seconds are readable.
9,53,22
